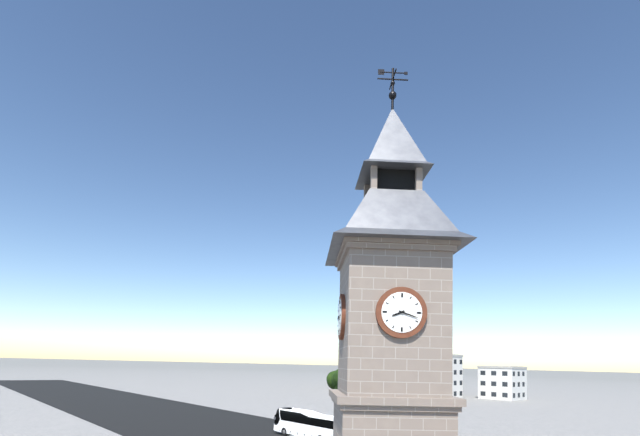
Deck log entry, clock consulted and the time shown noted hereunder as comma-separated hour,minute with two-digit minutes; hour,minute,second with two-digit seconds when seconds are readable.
8,18
